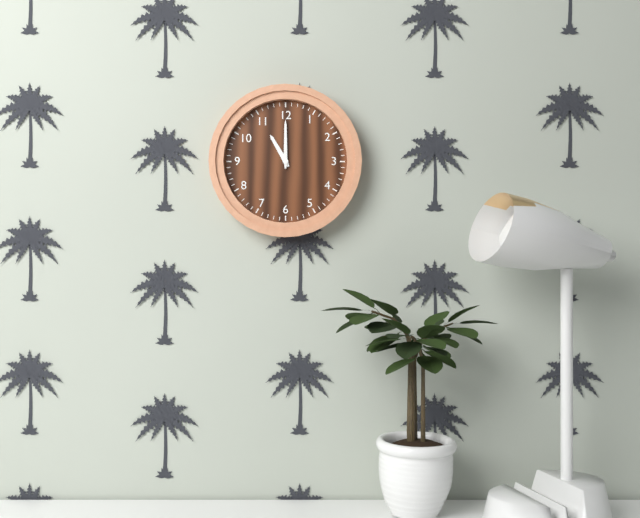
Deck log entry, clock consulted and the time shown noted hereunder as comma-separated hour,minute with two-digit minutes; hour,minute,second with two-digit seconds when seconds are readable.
11,00
